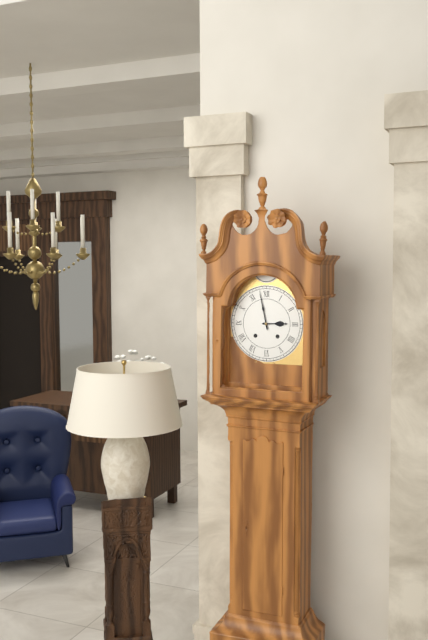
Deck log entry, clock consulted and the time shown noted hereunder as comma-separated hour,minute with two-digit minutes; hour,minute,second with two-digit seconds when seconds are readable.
2,58
